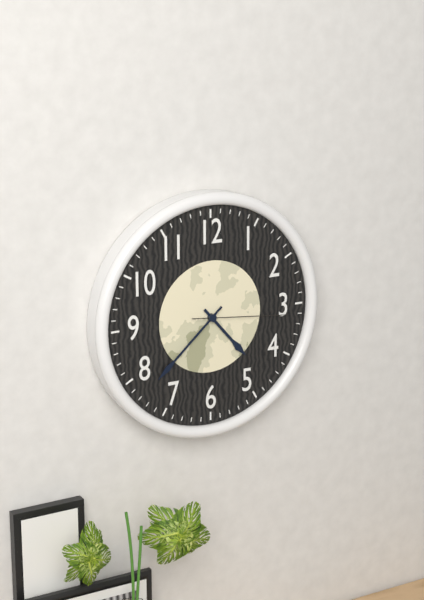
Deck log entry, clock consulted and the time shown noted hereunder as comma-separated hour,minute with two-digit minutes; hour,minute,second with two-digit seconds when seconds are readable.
4,38,16
